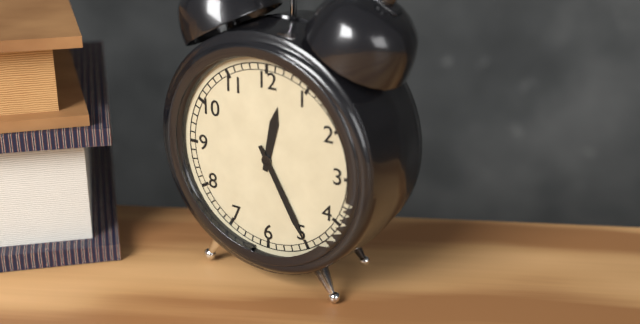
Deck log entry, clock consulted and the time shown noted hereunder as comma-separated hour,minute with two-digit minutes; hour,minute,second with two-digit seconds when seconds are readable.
12,25
